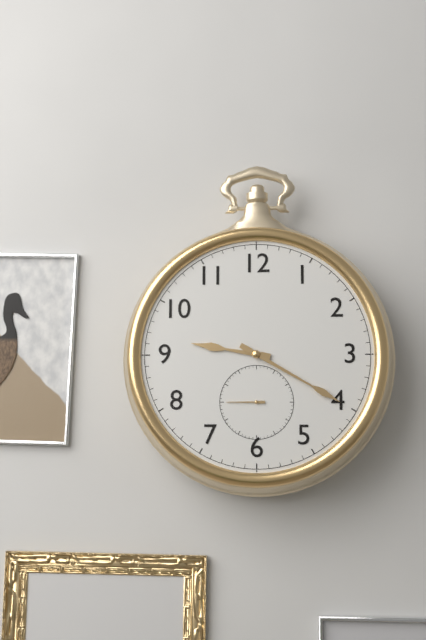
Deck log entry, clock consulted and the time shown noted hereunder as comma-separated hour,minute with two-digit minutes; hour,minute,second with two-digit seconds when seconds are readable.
9,20
